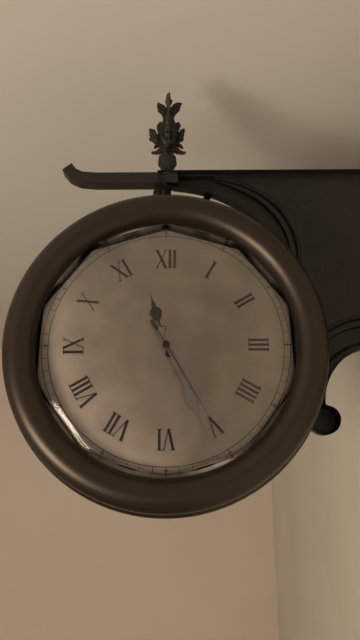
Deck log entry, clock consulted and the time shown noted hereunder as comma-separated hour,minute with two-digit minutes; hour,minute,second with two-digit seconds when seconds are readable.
11,26,25
